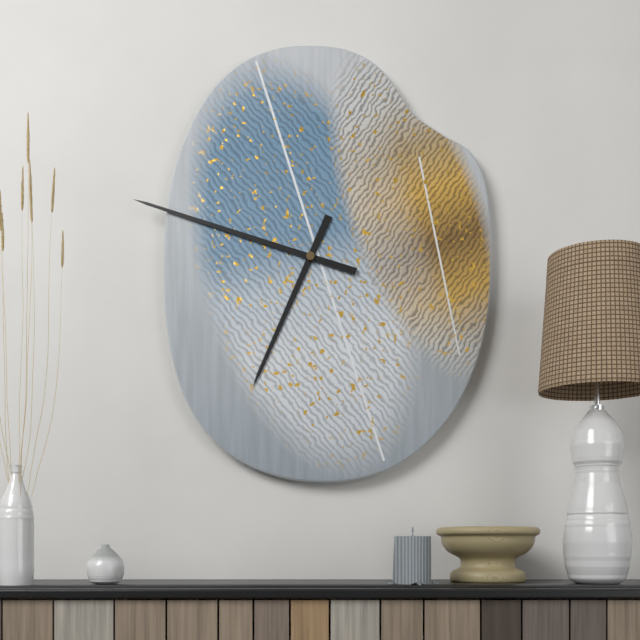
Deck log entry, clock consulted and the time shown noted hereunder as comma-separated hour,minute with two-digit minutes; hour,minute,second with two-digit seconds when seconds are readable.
6,48
